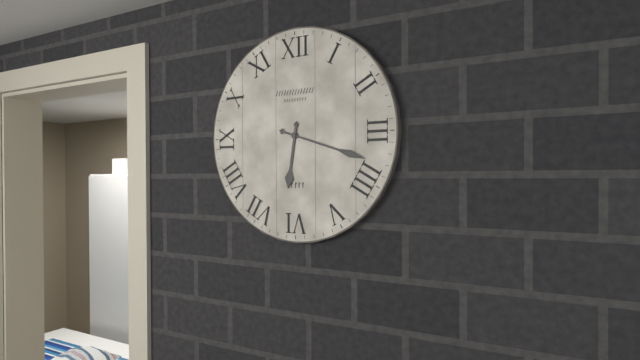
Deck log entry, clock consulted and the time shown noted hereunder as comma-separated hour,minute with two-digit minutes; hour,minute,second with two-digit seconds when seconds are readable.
6,18
